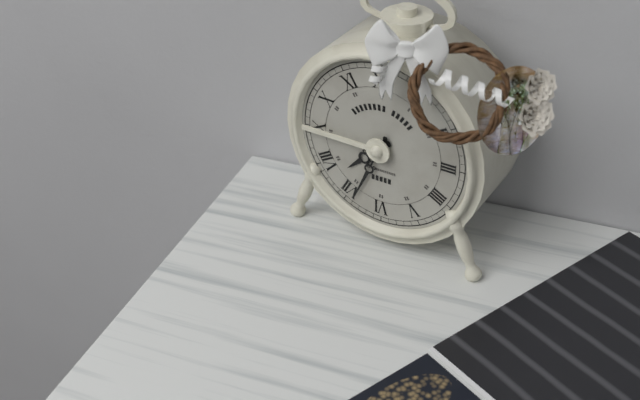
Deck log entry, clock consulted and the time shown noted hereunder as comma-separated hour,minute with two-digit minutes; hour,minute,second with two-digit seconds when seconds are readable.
7,34
